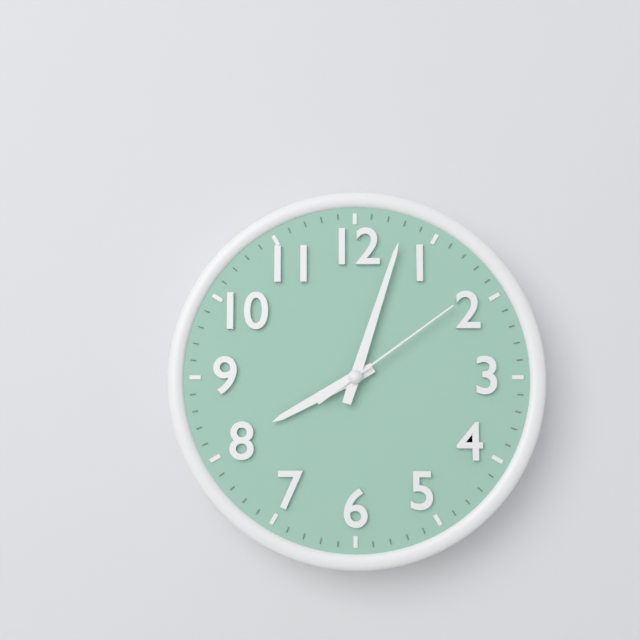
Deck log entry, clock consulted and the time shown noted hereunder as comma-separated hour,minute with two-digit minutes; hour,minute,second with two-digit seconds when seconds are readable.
8,03,09
